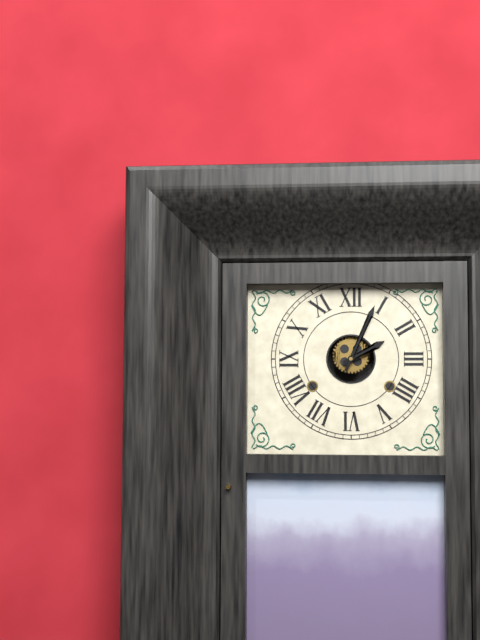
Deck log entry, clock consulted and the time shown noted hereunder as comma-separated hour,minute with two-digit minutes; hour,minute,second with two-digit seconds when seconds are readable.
2,04
